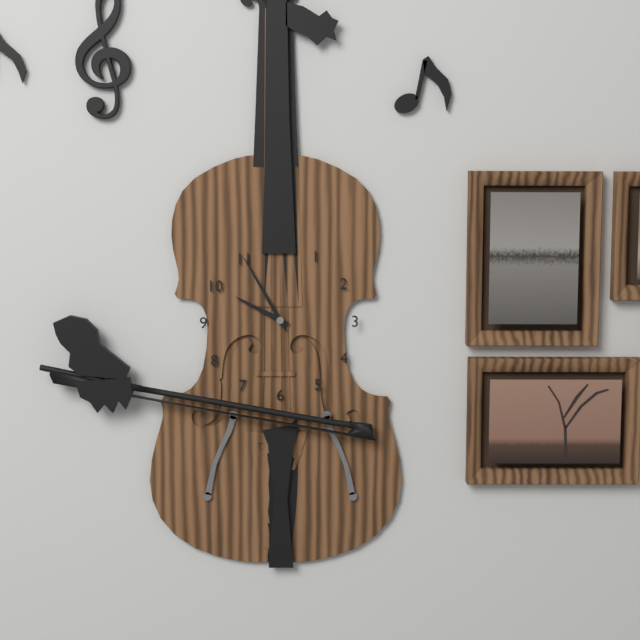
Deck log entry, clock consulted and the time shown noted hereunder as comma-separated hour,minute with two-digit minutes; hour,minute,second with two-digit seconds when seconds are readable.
9,55
